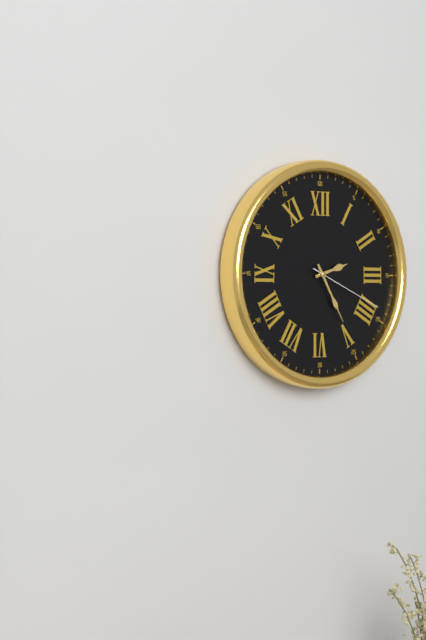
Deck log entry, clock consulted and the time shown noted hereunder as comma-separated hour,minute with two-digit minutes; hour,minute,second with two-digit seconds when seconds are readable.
2,25,19
